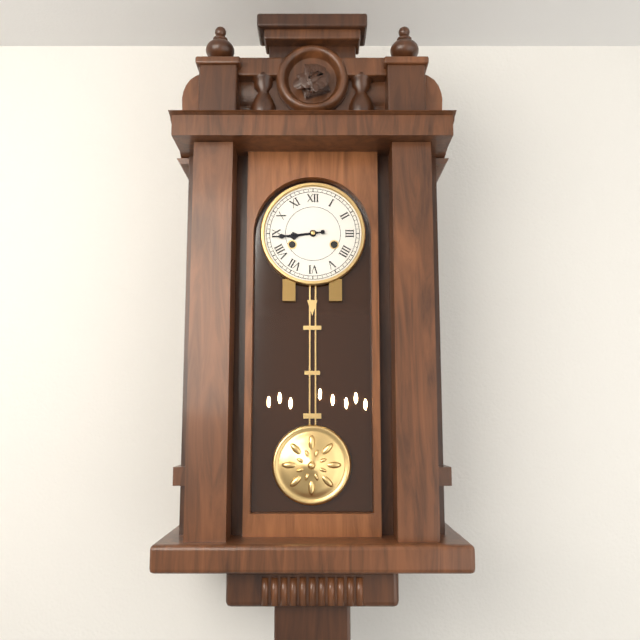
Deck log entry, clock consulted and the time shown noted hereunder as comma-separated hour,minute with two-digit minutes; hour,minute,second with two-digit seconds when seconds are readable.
8,44
